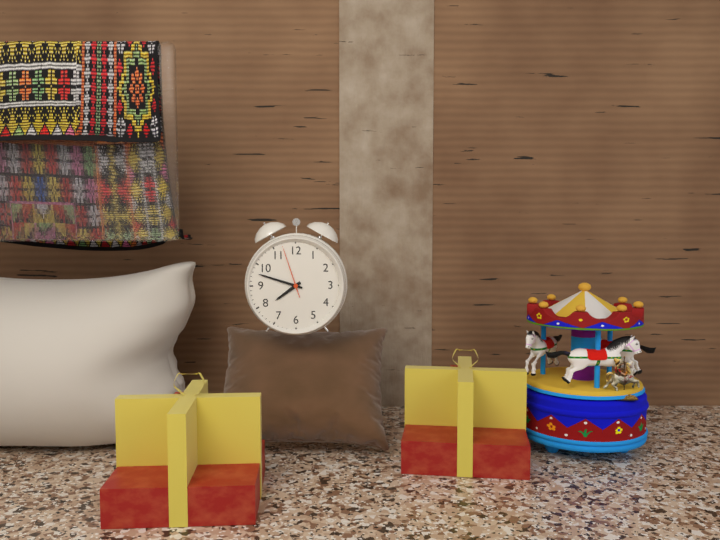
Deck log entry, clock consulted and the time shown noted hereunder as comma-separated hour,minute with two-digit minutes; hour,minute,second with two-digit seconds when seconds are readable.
7,48,57
